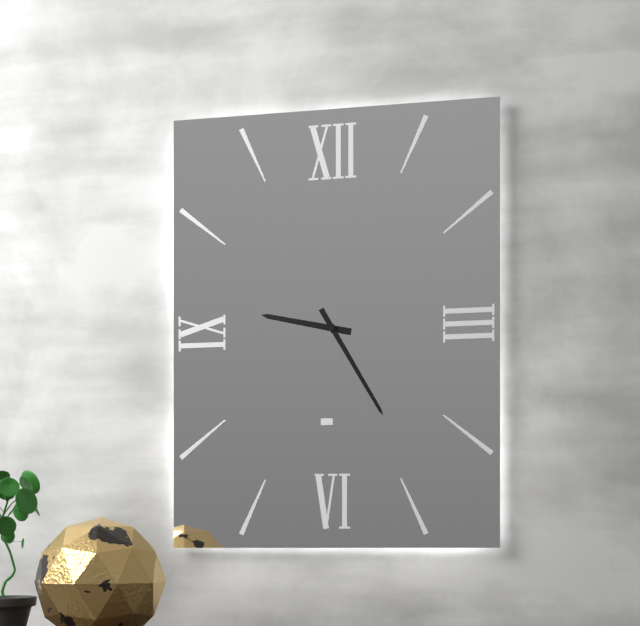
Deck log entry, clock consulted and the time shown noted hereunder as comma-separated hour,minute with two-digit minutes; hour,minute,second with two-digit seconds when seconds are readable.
9,25
